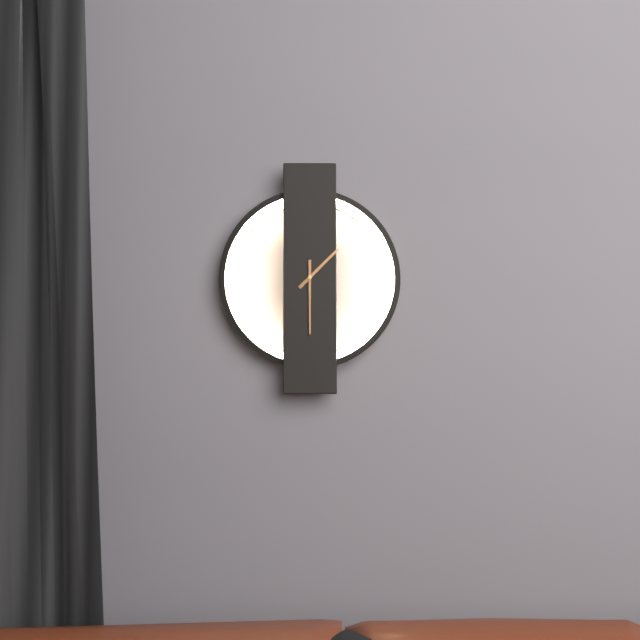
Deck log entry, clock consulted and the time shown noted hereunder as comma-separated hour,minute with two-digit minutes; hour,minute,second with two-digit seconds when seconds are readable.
1,30
